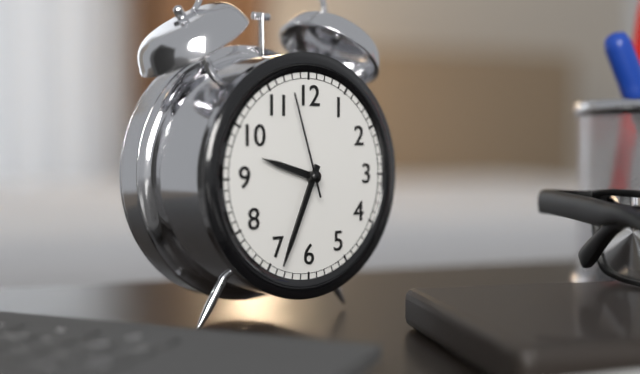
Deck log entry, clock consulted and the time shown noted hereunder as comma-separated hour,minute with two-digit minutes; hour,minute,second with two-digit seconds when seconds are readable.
9,34,57
